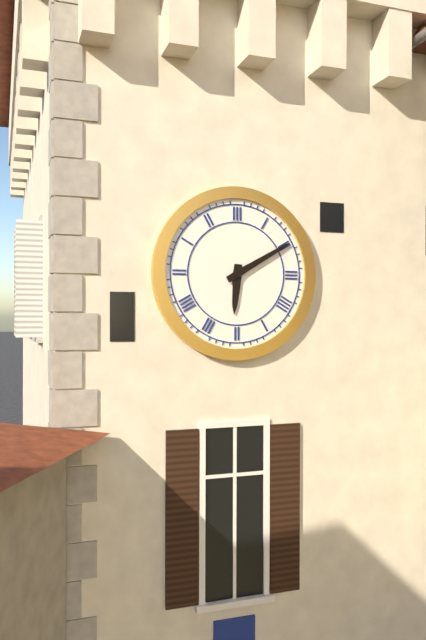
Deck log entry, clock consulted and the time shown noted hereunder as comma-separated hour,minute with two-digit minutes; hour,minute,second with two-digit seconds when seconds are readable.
6,10
